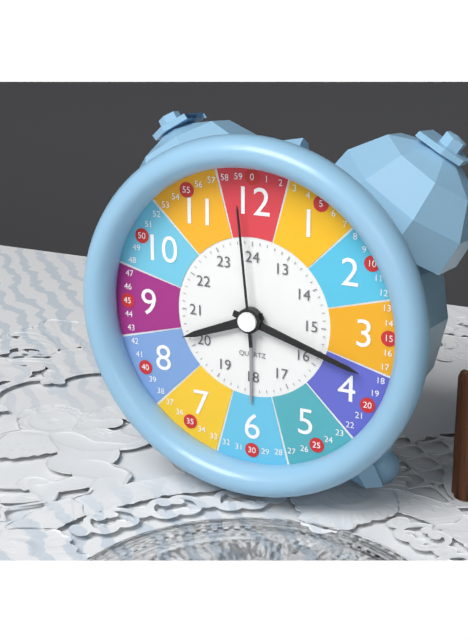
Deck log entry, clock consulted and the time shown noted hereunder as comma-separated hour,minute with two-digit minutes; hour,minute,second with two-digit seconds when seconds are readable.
8,18,59
